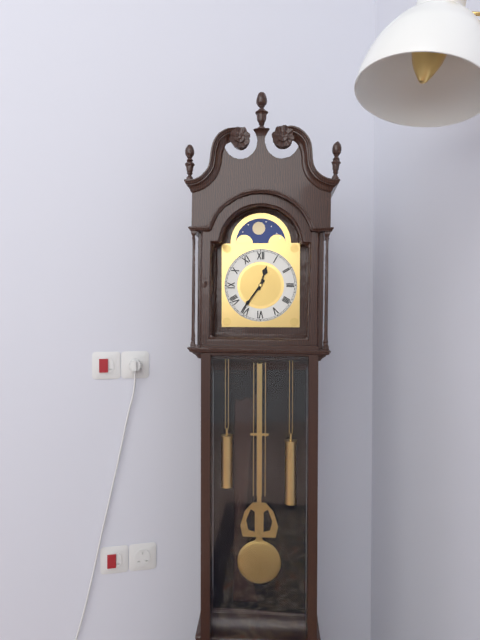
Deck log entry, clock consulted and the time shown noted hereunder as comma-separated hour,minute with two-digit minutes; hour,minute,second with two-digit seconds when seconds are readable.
12,36
